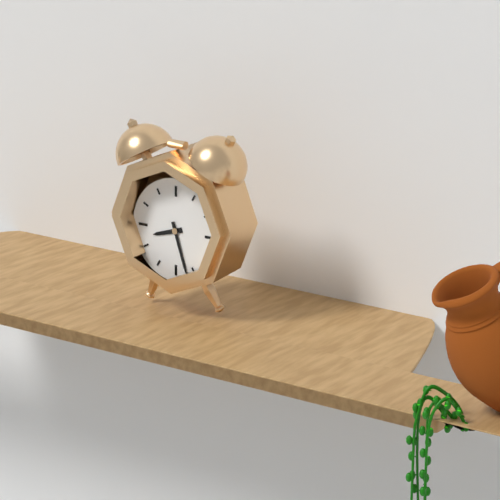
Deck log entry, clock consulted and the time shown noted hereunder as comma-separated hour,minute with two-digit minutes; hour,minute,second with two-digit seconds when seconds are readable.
8,27
